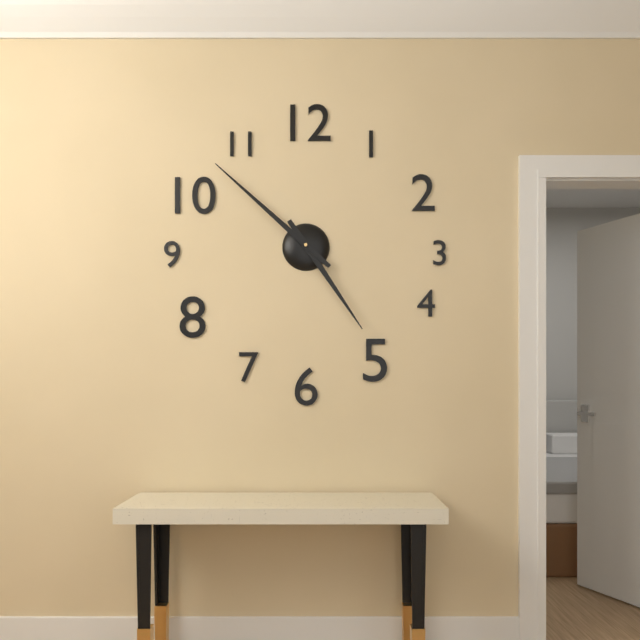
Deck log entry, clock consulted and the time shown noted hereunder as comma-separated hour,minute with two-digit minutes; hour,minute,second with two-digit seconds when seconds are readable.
4,52
